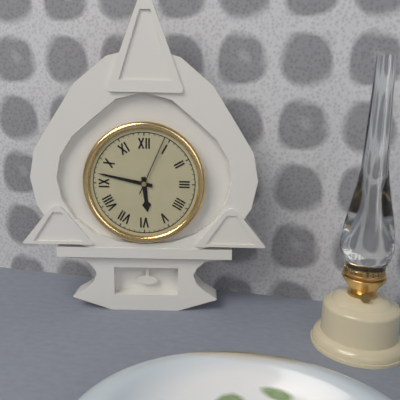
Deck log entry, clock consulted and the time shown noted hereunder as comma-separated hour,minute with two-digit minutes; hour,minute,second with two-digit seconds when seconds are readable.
5,47,04
